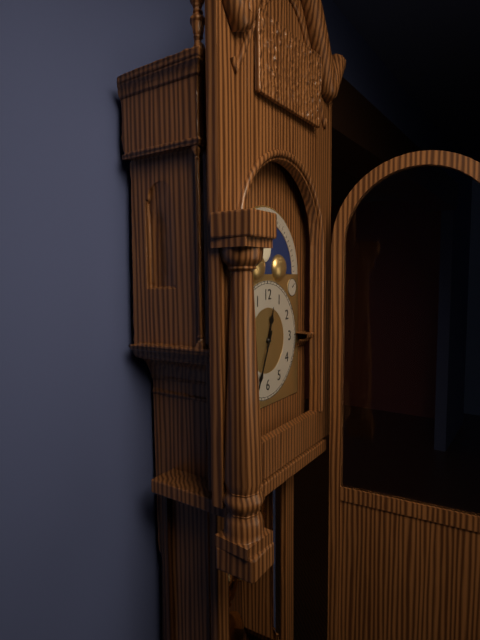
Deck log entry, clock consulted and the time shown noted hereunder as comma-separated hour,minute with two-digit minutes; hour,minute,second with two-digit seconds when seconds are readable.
12,34
